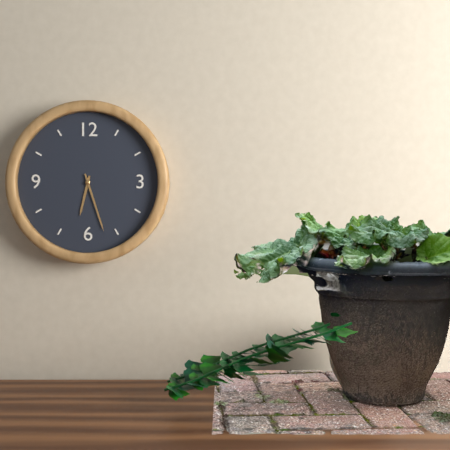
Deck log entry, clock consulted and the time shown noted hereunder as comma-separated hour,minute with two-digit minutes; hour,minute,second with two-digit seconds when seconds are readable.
6,27
